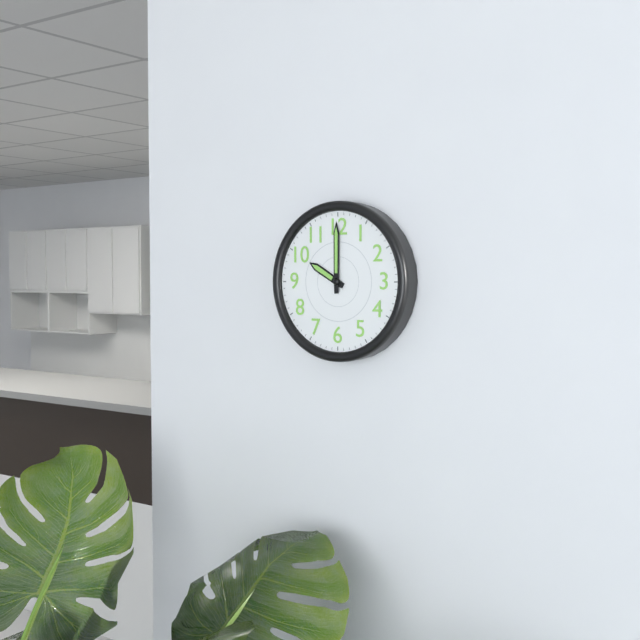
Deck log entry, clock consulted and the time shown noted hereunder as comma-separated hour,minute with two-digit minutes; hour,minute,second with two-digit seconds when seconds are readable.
10,00
